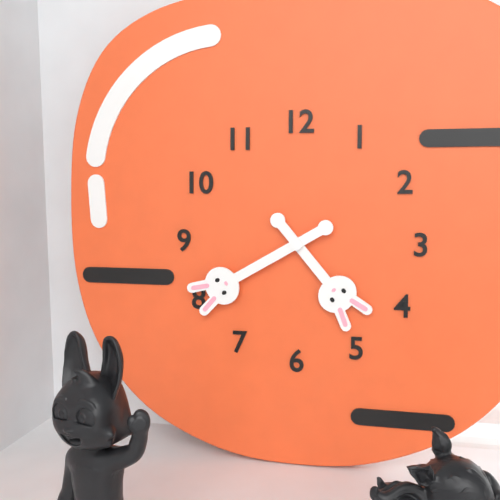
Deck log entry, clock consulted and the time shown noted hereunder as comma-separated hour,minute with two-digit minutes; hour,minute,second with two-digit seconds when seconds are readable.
4,40
